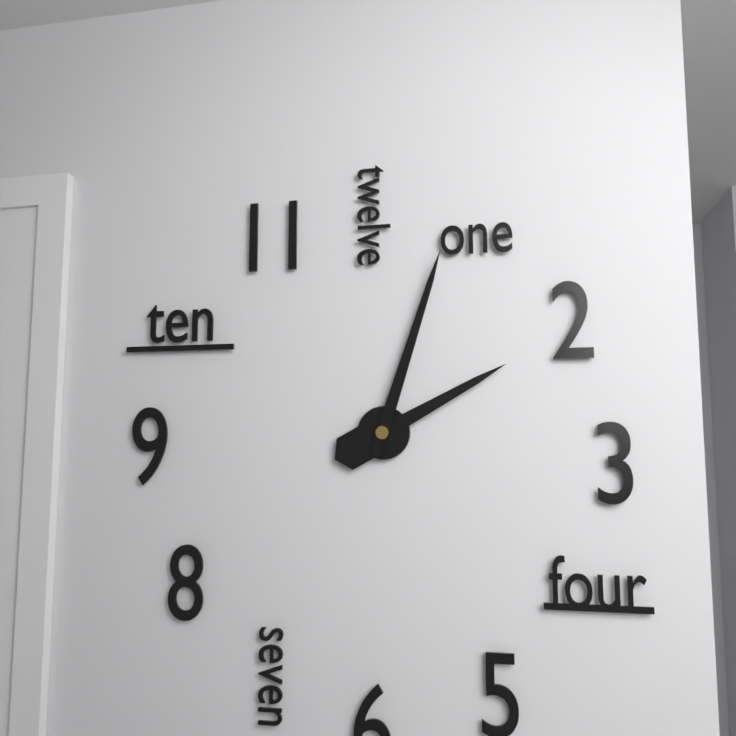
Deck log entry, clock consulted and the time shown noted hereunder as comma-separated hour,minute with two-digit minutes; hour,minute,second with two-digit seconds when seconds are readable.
2,03
